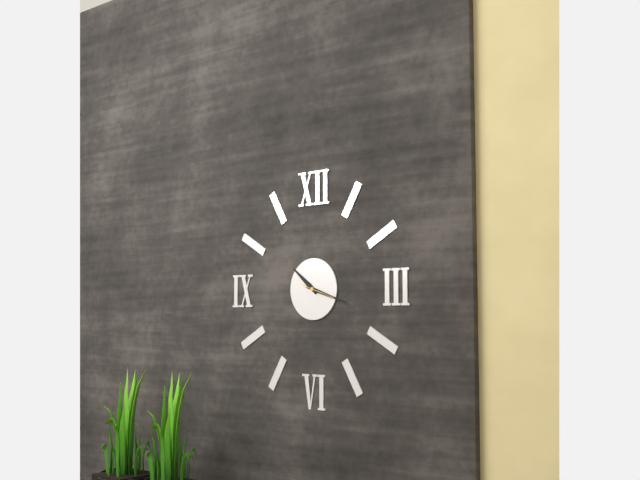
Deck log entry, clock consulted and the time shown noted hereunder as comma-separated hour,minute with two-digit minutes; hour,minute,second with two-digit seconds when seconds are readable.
10,18
